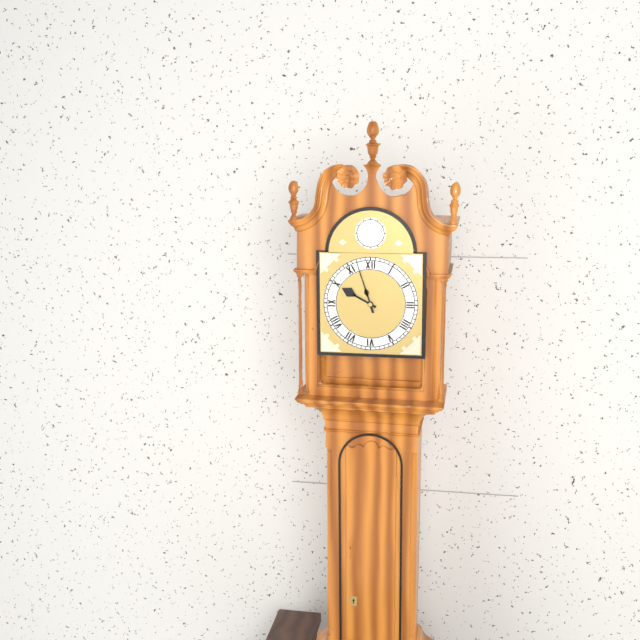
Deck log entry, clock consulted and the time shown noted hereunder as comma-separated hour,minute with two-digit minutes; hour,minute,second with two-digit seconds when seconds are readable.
9,57
